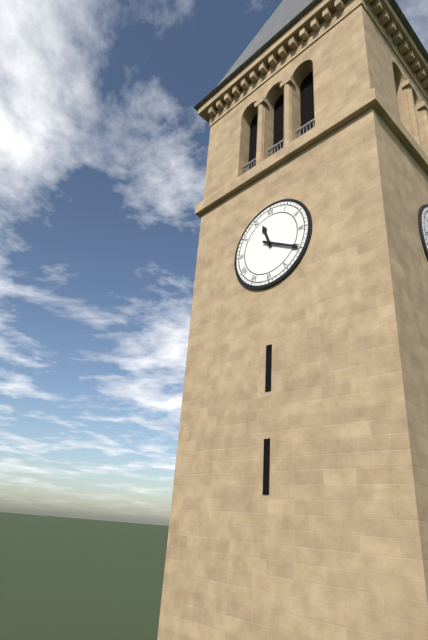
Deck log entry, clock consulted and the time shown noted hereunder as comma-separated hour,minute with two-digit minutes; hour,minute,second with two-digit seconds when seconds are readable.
11,20
